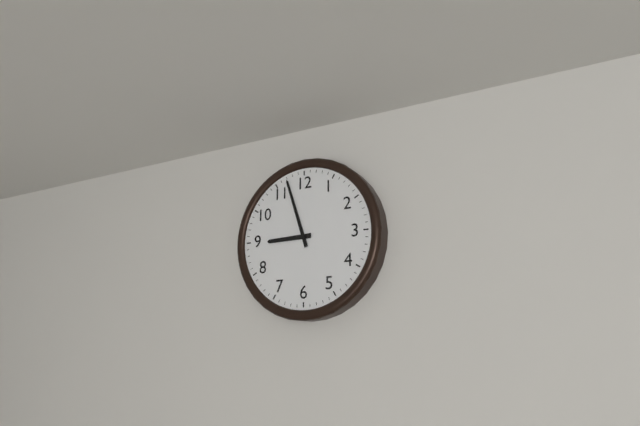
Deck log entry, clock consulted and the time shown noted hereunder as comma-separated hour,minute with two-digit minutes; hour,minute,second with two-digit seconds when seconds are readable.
8,57
